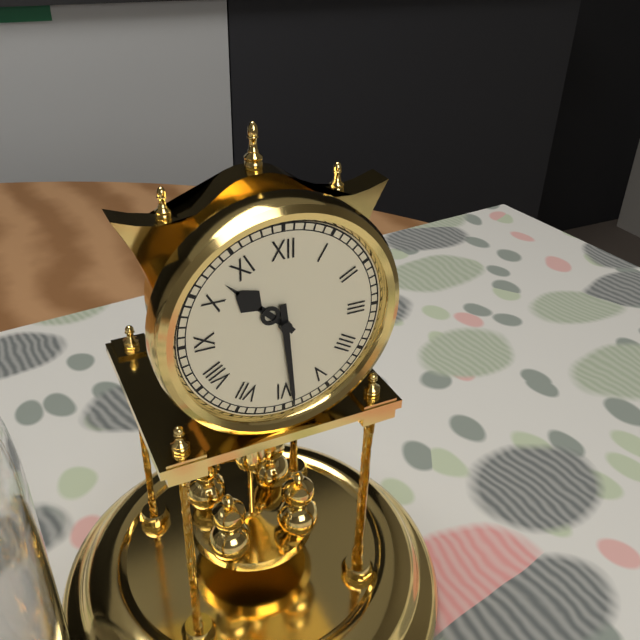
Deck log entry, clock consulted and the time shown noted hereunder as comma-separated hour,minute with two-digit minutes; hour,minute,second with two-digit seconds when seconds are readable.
10,29
